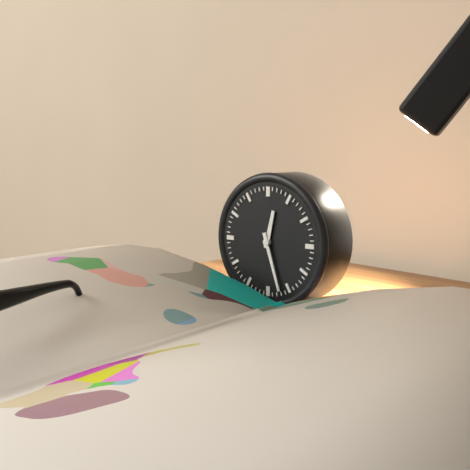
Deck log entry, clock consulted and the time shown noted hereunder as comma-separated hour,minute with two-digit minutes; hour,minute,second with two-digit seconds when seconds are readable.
12,27
